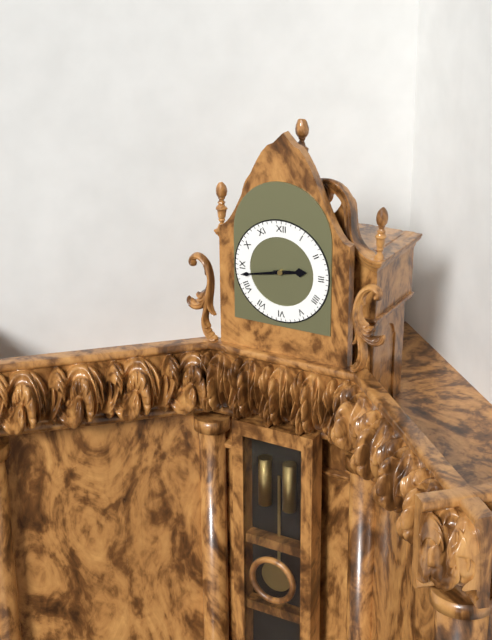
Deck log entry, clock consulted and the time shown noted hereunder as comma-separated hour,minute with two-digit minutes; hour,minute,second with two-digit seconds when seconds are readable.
2,43
